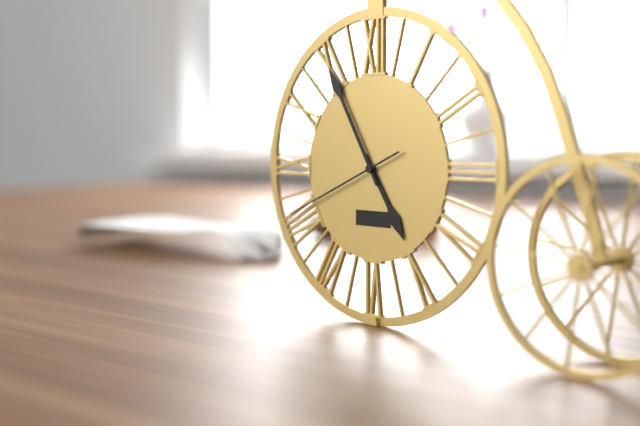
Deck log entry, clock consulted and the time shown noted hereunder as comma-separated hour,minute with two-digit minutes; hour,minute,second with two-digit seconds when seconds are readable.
4,55,41
